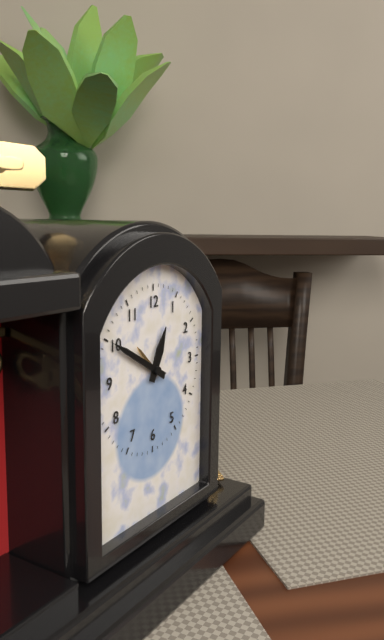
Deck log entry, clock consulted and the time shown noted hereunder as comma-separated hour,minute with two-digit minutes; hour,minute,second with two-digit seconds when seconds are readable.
12,50
